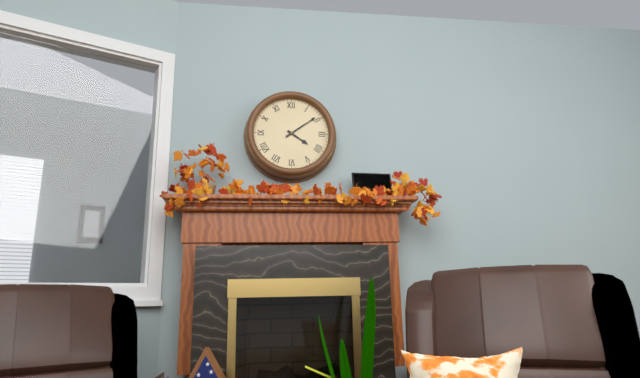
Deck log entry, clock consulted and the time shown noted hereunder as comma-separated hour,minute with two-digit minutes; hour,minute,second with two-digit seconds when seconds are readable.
4,09
